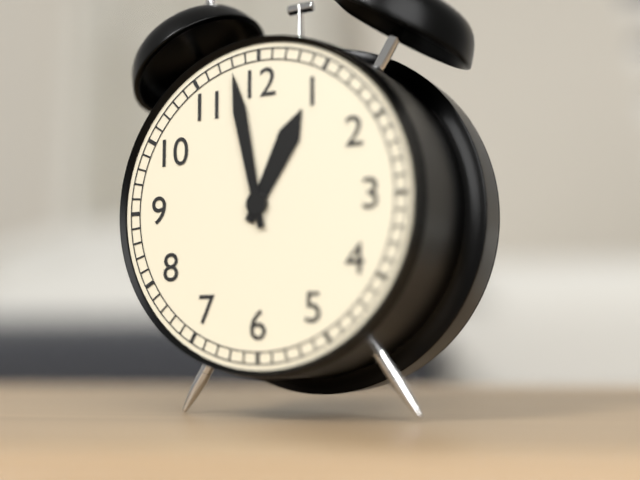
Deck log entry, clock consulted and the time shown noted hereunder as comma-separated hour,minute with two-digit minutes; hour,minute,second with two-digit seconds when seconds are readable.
12,58
